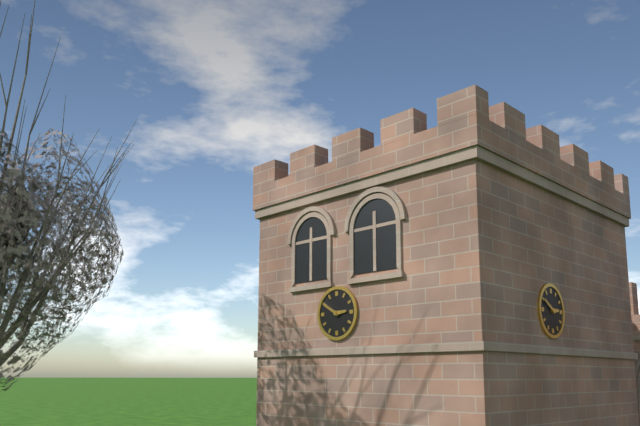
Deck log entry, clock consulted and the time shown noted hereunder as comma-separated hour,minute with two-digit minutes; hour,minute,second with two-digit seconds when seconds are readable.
2,50
